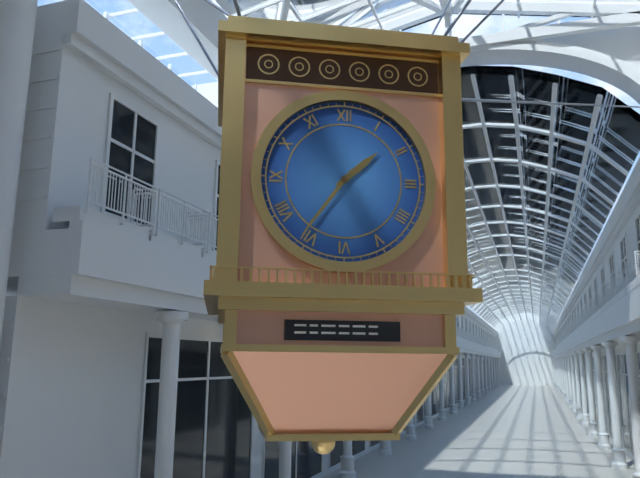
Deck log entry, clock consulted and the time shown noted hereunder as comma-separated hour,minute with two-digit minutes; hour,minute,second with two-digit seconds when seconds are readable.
1,36
